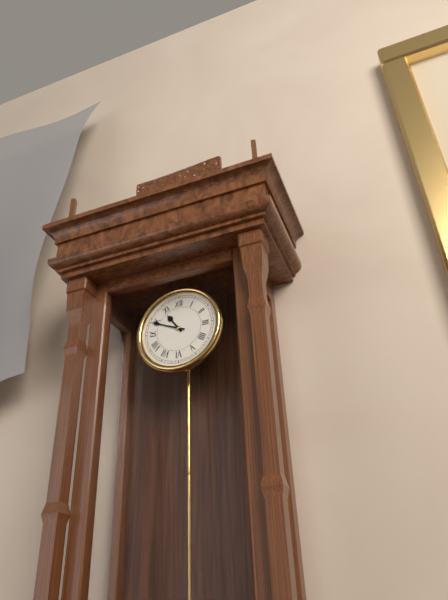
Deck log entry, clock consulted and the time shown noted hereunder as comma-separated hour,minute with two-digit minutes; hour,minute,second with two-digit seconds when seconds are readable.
10,49
